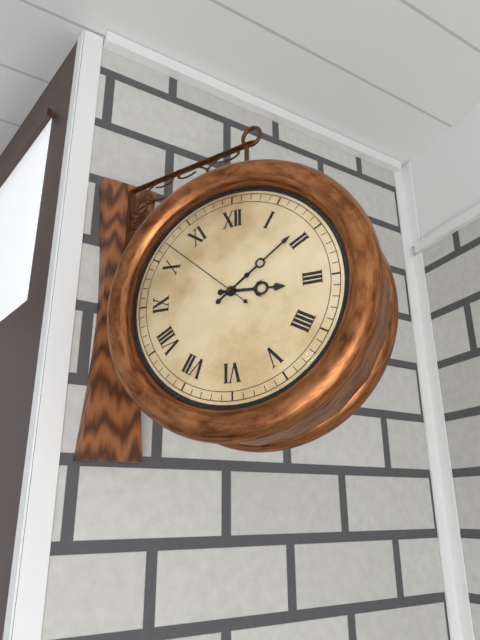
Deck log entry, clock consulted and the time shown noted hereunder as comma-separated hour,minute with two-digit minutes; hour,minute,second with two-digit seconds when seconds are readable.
3,09,52
